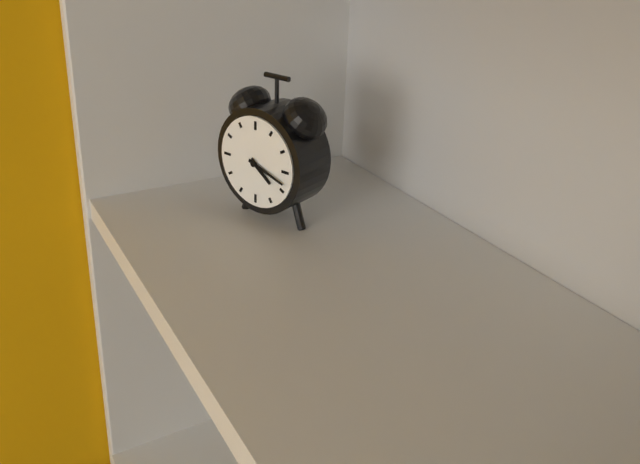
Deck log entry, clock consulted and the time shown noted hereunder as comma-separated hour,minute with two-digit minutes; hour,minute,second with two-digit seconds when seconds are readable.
4,18
